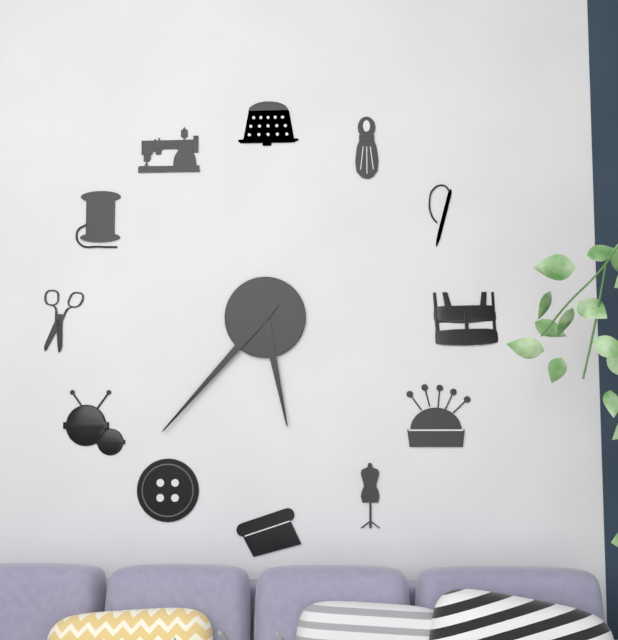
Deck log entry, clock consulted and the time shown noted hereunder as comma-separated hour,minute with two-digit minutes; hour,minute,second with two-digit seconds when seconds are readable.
5,37
